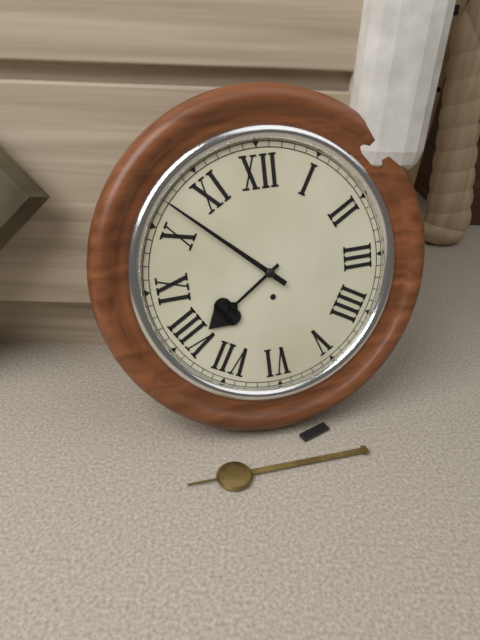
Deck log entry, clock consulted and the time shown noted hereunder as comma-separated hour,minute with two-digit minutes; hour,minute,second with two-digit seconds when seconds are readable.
7,52
